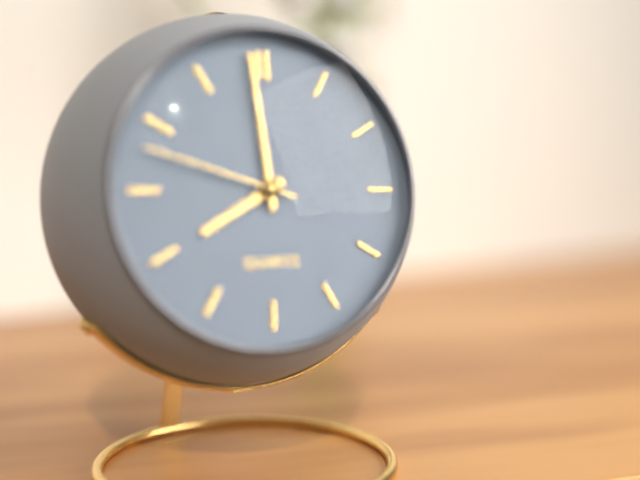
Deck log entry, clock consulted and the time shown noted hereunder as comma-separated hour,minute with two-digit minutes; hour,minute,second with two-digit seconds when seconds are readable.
7,59,48
